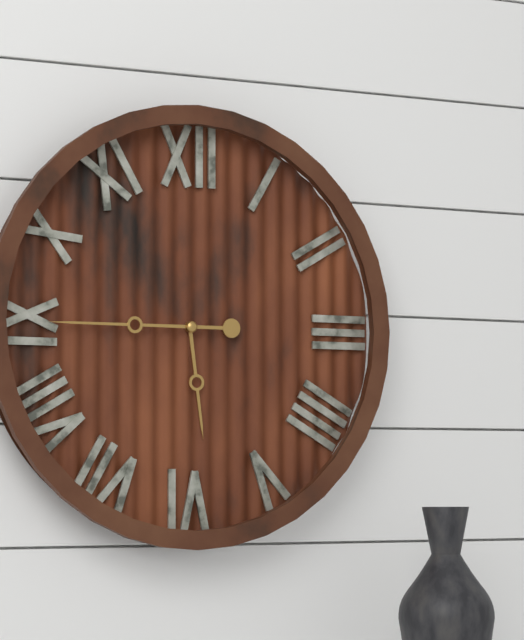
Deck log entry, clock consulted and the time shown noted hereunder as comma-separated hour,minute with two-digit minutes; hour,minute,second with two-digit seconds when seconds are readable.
5,45
